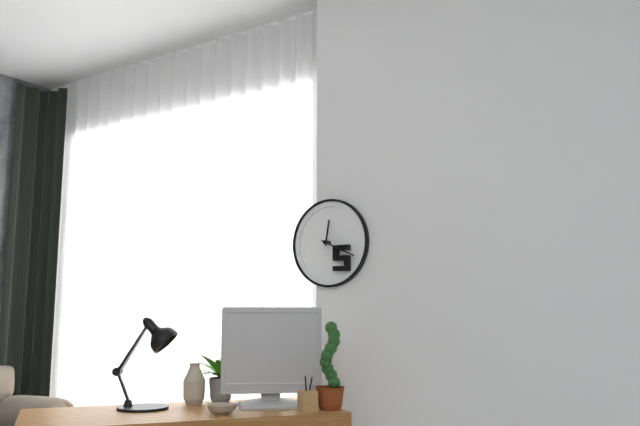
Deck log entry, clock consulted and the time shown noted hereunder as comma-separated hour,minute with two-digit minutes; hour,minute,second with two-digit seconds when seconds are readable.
12,19
